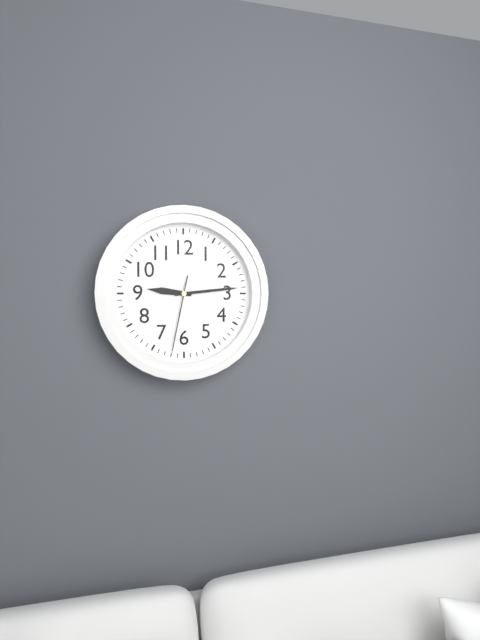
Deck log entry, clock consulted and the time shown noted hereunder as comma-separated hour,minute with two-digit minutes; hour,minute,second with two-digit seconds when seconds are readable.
9,14,32
